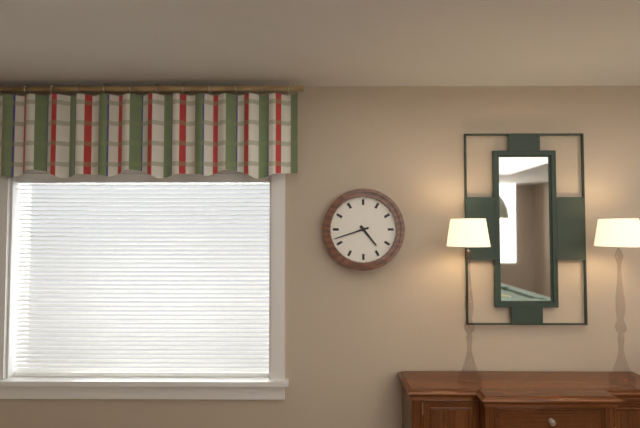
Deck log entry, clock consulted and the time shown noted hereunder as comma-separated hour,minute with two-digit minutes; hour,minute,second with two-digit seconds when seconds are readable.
4,42
